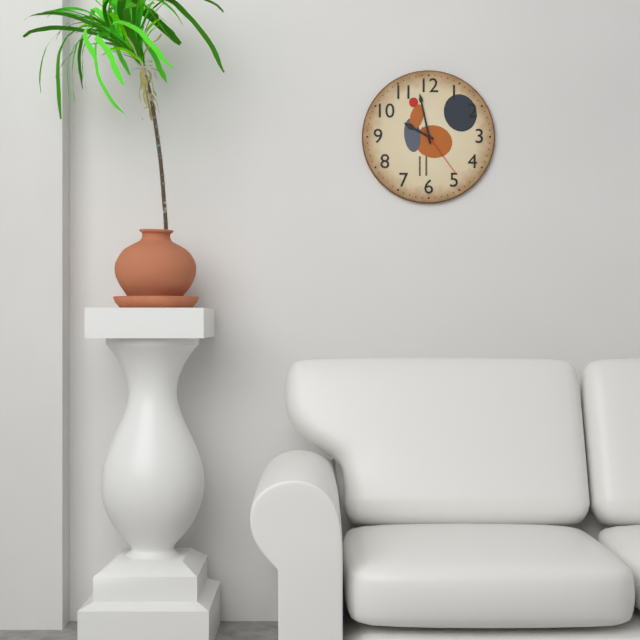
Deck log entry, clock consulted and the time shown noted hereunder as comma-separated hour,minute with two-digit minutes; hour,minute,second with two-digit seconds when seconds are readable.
9,58,24
